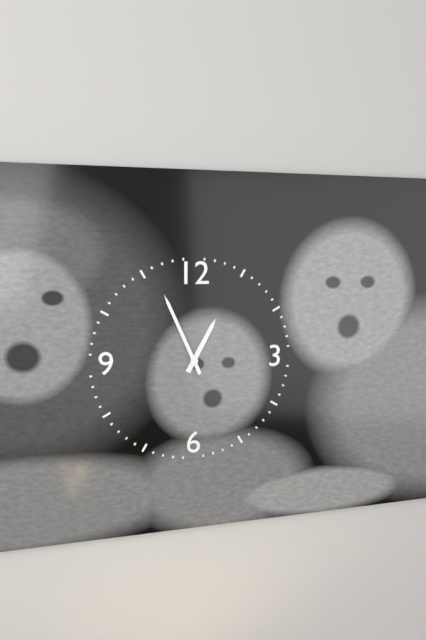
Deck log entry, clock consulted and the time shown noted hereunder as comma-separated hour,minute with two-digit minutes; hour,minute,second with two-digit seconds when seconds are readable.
12,56
